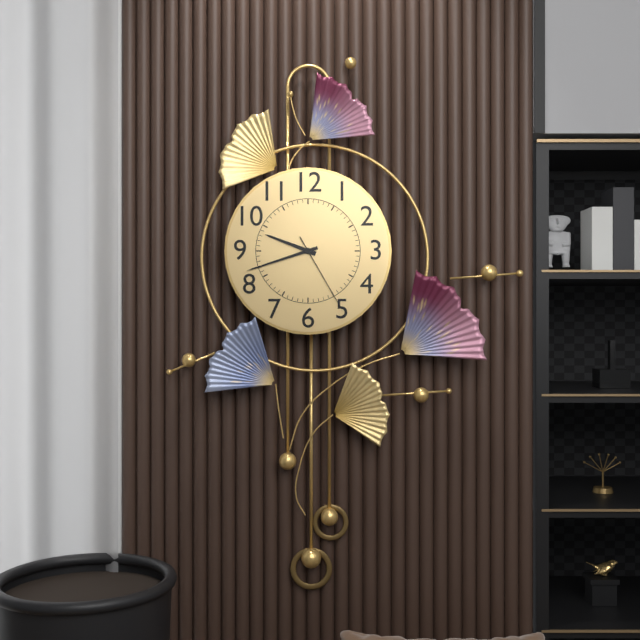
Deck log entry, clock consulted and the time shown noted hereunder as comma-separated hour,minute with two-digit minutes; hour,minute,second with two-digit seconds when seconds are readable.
9,42,25
